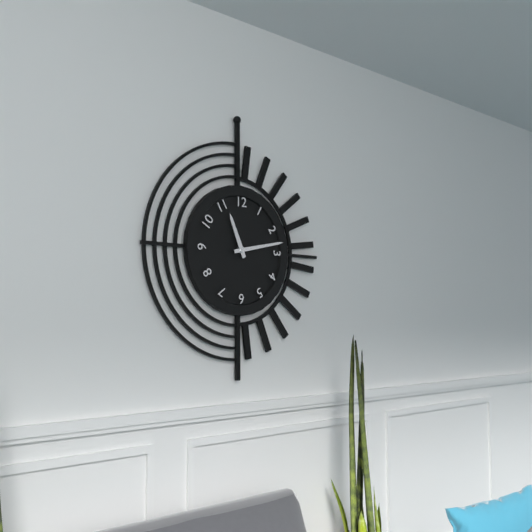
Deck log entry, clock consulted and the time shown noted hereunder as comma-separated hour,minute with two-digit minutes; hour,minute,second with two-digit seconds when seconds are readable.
11,13
